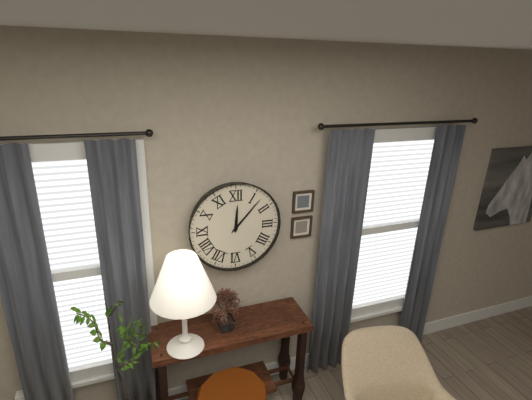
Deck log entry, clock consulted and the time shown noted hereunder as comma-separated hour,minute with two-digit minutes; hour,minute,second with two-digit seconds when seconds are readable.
12,07
